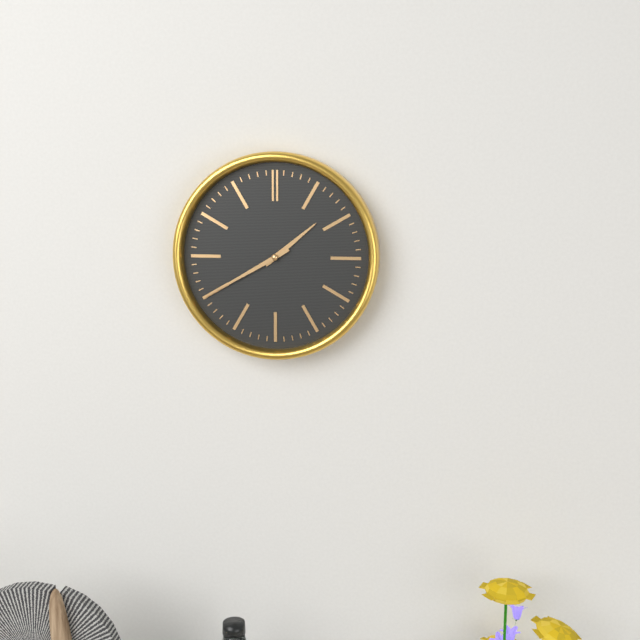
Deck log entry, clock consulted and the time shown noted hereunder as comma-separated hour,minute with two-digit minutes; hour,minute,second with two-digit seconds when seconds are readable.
1,40
